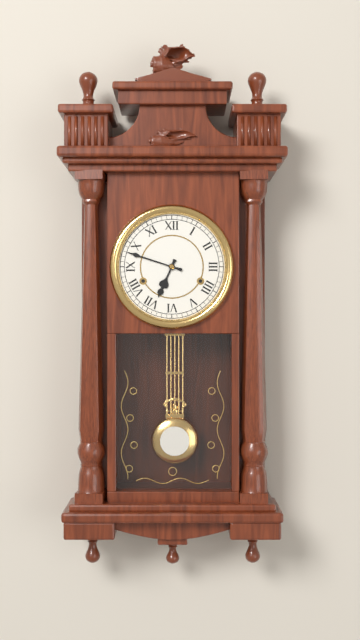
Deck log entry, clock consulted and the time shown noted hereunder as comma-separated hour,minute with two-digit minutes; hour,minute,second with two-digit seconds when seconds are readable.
6,48
